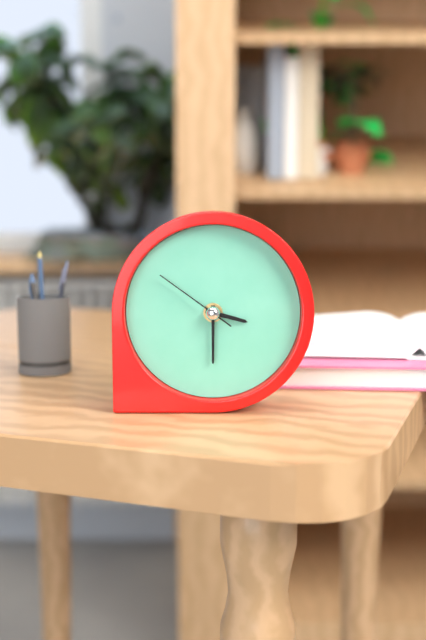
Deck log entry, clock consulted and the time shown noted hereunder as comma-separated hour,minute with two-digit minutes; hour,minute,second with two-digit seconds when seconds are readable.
3,30,51
